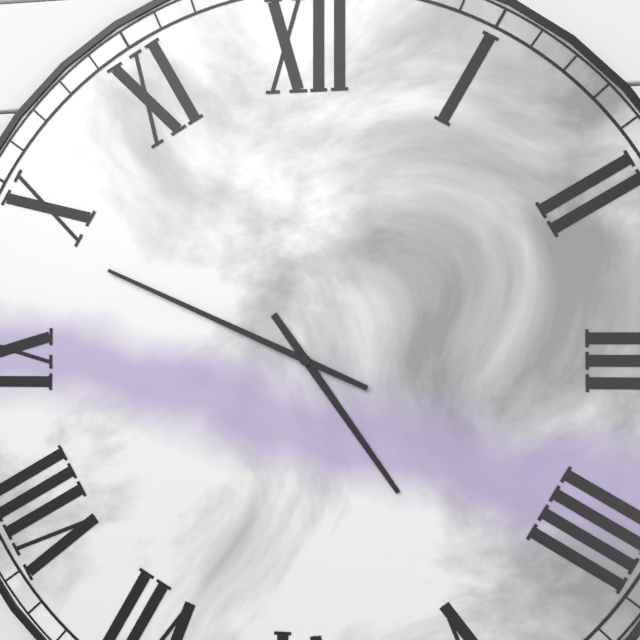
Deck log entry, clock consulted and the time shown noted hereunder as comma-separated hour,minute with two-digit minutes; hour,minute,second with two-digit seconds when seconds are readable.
4,49
